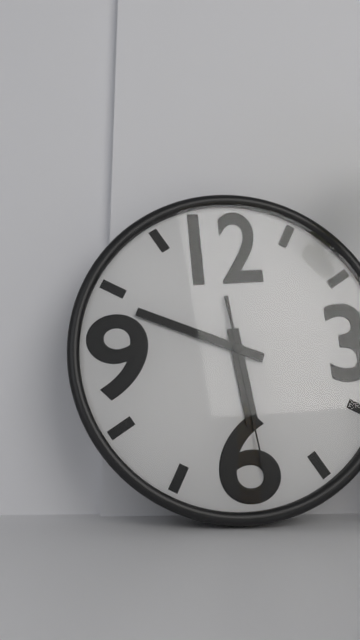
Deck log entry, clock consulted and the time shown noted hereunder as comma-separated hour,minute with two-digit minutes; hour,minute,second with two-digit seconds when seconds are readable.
5,49,29
